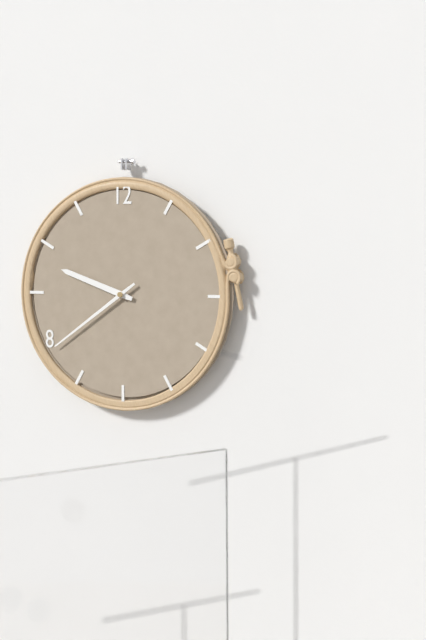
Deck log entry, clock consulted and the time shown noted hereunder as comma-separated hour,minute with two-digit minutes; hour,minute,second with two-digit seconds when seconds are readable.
9,39
